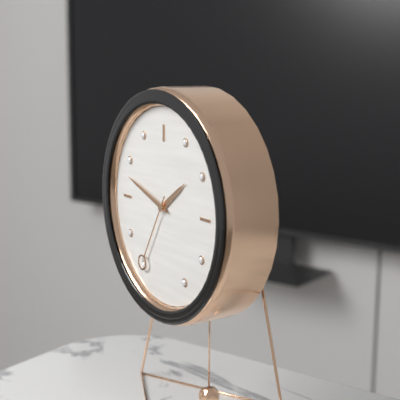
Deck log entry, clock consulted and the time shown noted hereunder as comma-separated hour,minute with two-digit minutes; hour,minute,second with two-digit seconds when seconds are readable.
1,48,35
